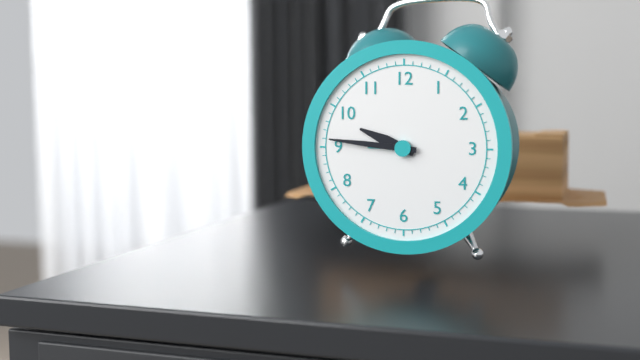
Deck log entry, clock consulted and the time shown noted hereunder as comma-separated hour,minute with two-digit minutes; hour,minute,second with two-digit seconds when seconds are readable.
9,46
